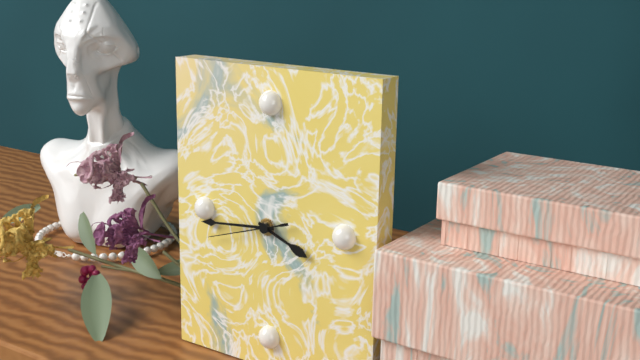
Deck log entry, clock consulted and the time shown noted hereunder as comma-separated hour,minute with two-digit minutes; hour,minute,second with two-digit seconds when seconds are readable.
3,44,42
